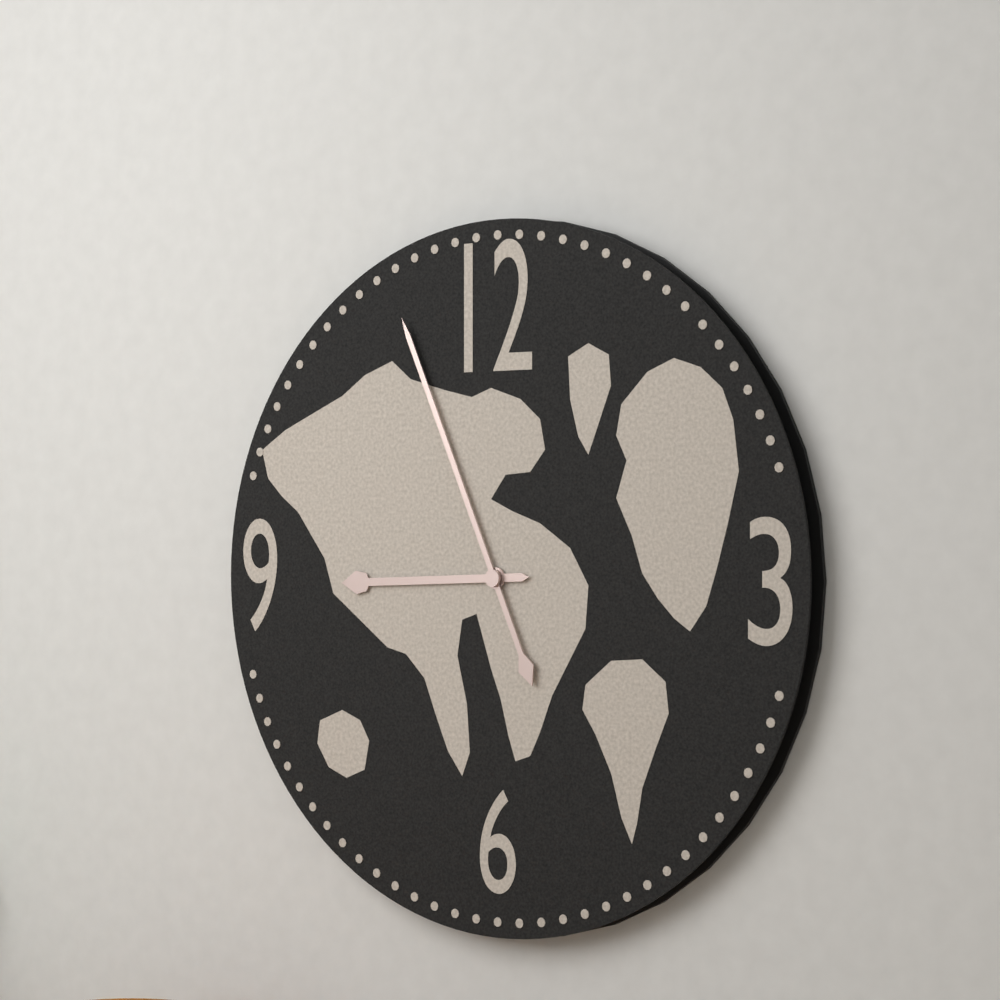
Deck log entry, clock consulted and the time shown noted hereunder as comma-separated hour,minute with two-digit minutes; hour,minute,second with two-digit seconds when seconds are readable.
8,56
